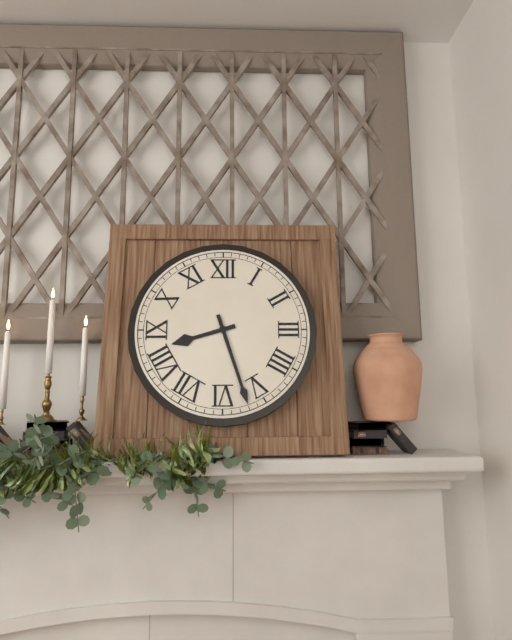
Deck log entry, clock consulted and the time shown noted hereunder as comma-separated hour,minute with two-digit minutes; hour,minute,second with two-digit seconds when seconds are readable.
8,27
